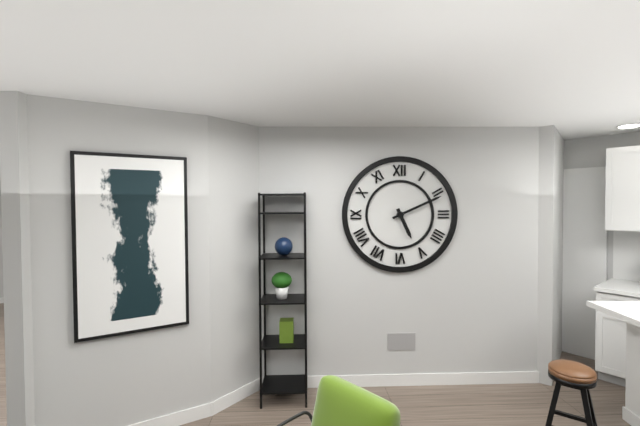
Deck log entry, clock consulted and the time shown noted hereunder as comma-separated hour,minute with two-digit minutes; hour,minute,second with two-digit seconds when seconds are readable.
5,11
